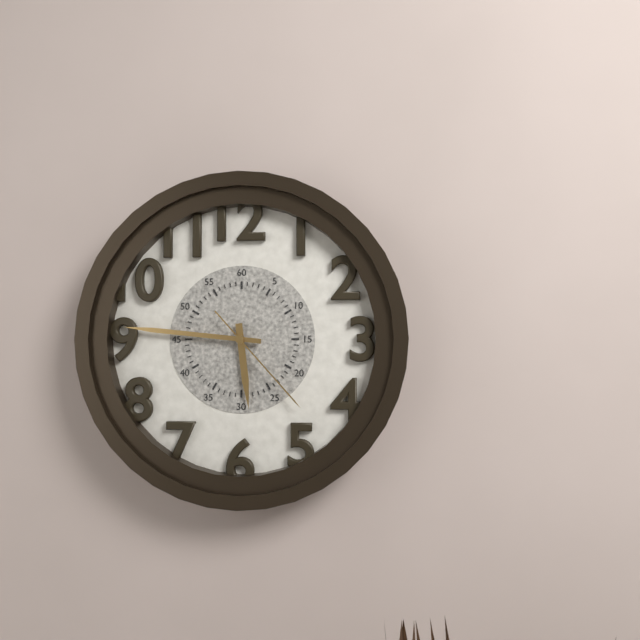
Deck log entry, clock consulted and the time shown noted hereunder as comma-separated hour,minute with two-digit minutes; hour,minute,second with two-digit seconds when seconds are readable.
5,46,23
